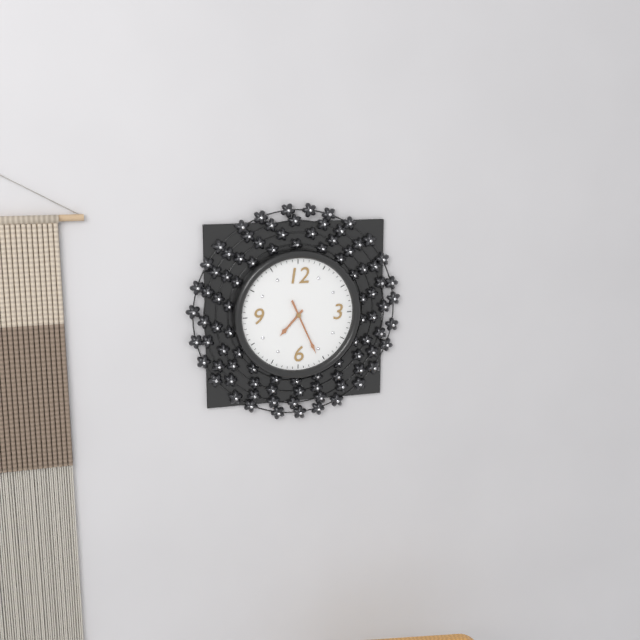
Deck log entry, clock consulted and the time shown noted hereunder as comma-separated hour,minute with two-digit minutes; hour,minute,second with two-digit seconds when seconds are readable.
7,26
